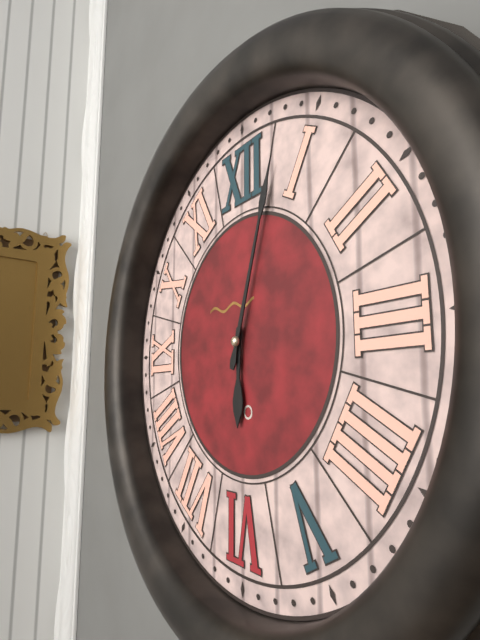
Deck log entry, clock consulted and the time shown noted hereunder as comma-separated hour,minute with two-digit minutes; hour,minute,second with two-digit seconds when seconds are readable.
6,03
